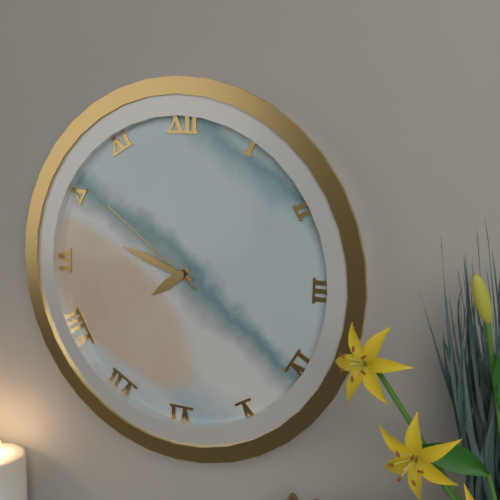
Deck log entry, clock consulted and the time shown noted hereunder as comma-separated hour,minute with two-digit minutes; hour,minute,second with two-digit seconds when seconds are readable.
7,48,51
